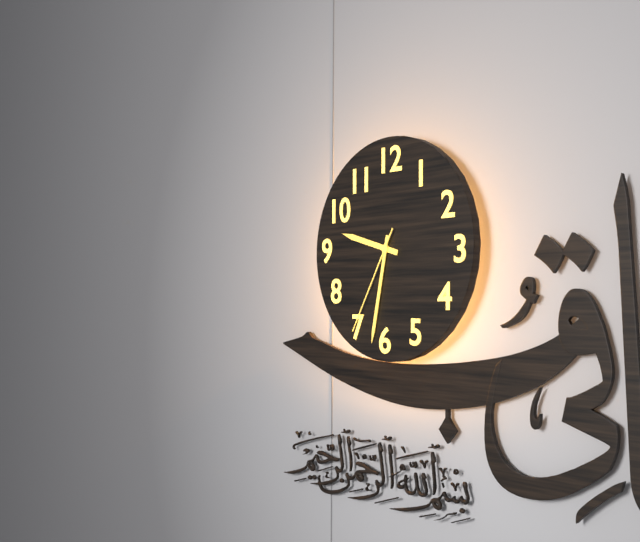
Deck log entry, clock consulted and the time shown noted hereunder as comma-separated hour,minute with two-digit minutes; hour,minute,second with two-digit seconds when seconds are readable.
9,32,35
